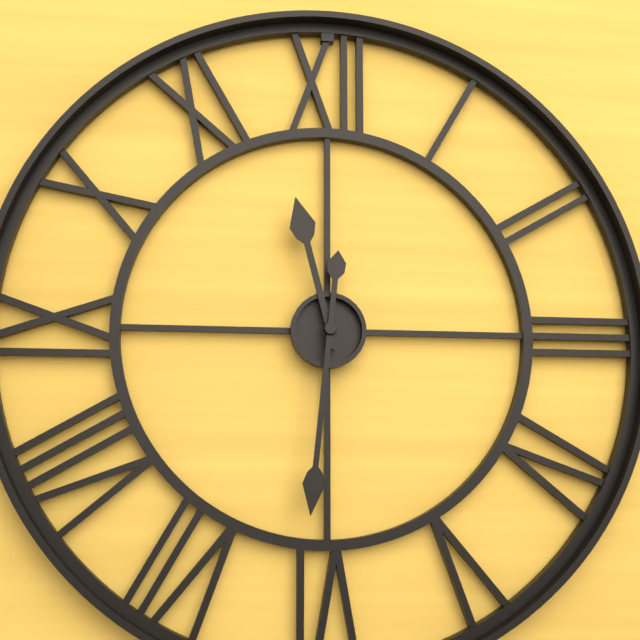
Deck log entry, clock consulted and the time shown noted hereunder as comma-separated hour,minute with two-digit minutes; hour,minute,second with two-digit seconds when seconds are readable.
11,31
